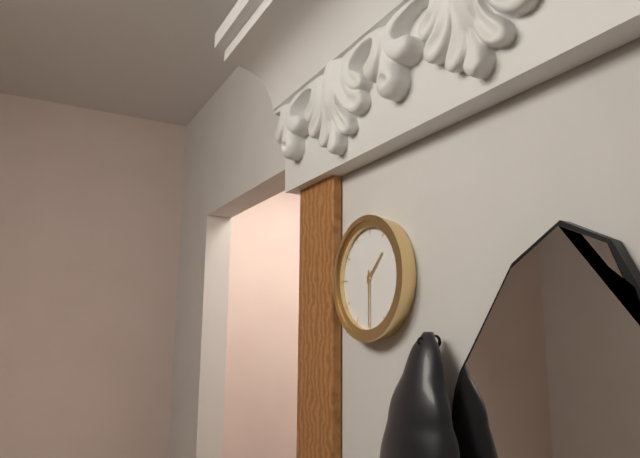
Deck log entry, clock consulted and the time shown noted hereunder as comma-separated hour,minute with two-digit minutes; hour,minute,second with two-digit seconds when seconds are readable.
1,30
